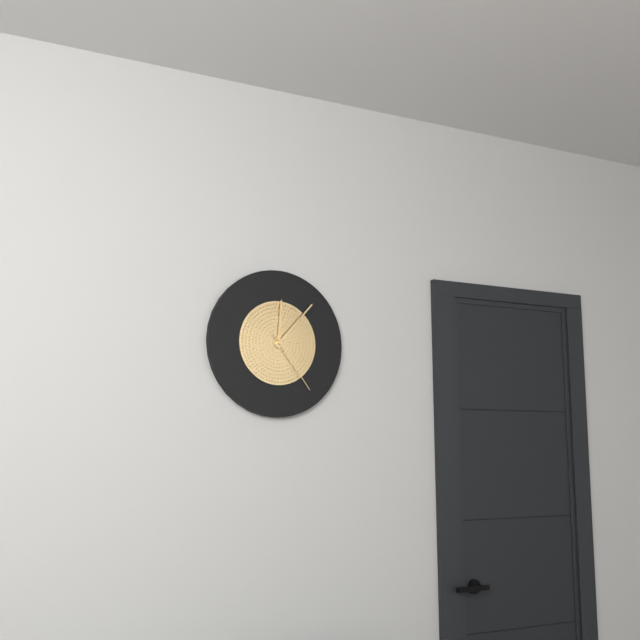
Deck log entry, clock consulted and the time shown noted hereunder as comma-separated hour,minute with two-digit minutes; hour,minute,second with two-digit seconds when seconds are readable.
12,07,24
